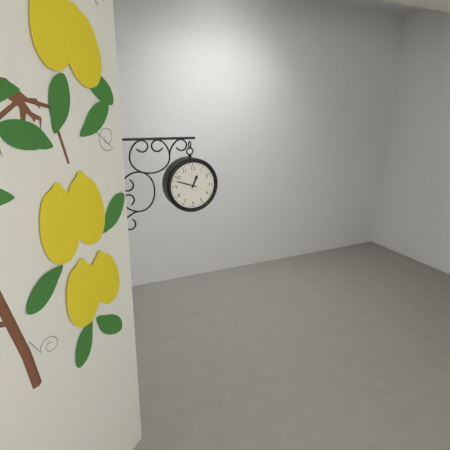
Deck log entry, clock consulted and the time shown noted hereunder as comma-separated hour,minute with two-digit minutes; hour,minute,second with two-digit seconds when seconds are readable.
12,48
